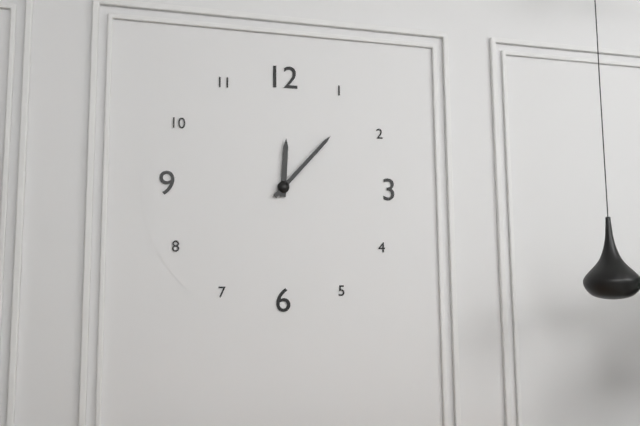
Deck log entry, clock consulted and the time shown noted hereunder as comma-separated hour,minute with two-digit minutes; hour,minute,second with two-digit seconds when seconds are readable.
12,07
